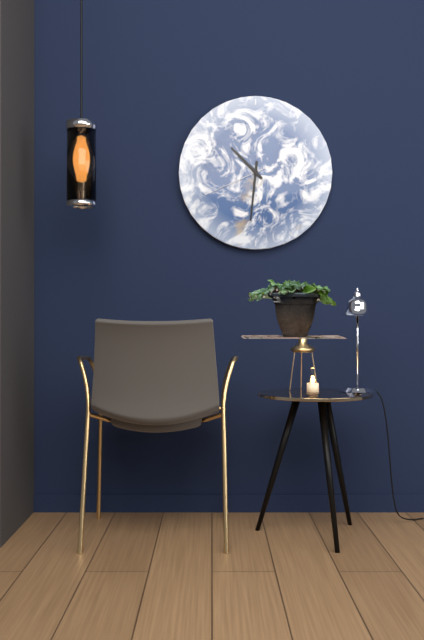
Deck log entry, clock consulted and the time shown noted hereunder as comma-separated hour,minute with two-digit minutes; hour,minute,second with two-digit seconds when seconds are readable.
10,31,41
